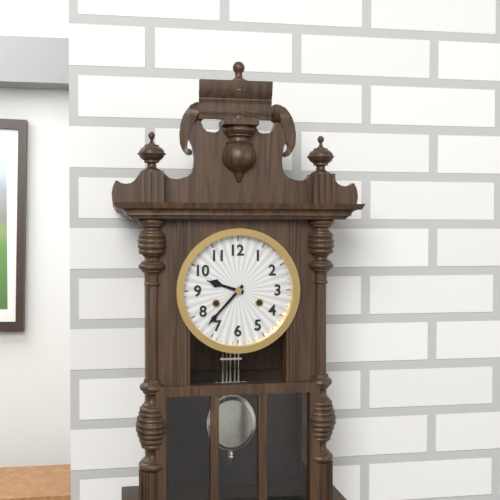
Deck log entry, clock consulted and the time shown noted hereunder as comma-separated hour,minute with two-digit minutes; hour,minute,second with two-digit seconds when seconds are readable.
9,37
